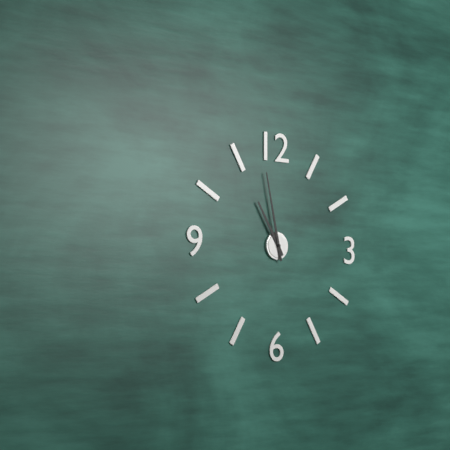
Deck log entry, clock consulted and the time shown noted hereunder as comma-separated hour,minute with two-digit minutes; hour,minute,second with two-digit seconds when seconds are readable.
10,58
